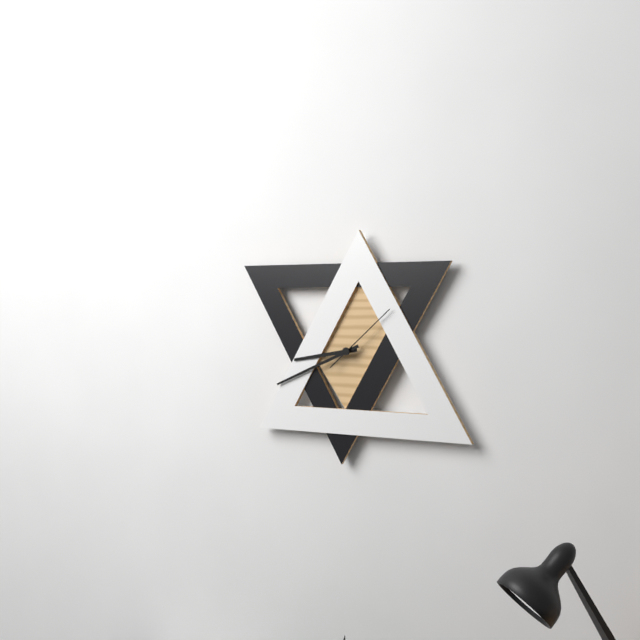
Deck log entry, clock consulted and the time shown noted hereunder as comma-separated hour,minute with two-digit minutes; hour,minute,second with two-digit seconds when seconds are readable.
8,41,08
